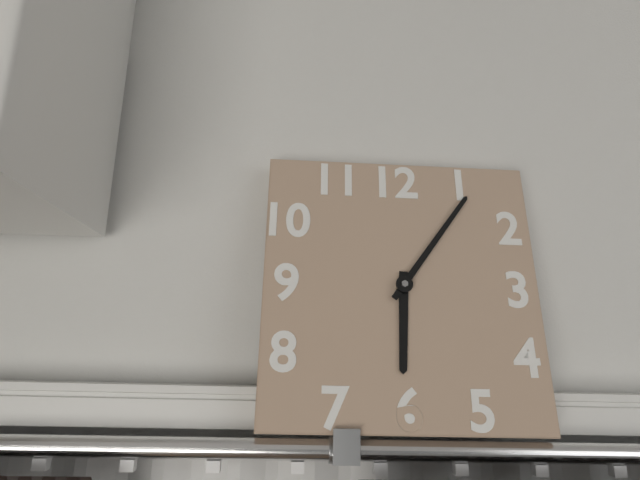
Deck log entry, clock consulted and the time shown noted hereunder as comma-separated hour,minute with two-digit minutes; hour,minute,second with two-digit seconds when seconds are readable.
6,06
